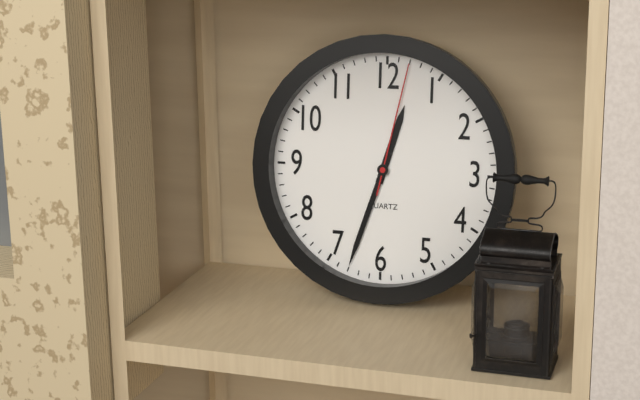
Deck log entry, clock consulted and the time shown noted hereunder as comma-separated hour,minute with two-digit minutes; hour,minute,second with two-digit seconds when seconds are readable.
12,33,02
